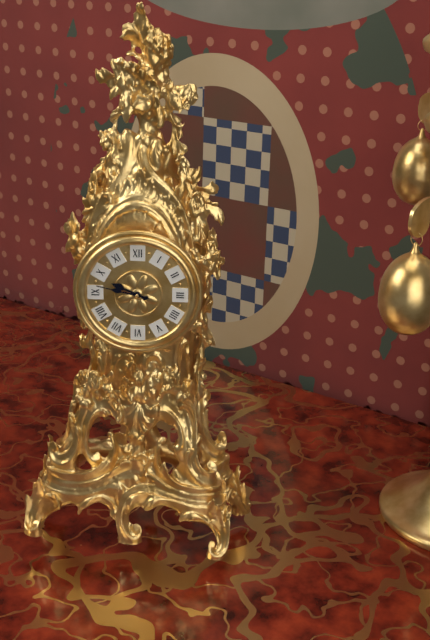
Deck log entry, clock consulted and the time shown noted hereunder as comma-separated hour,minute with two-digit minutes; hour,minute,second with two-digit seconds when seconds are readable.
9,47
